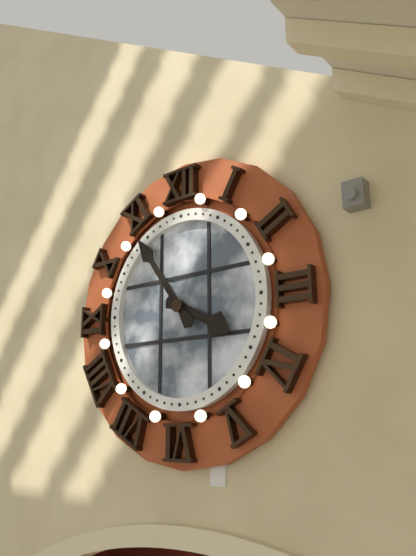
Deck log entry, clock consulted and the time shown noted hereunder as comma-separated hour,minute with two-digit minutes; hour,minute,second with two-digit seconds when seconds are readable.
3,54
